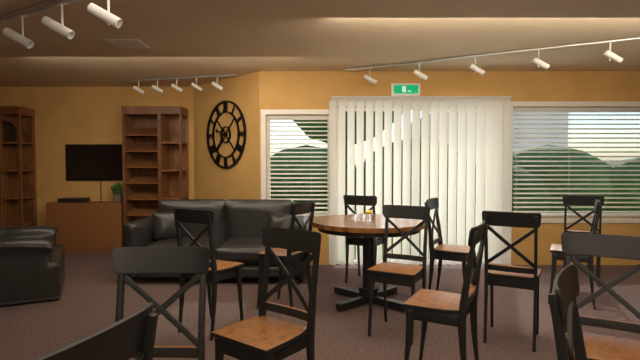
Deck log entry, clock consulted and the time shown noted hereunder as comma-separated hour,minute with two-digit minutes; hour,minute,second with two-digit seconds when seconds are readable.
9,37
